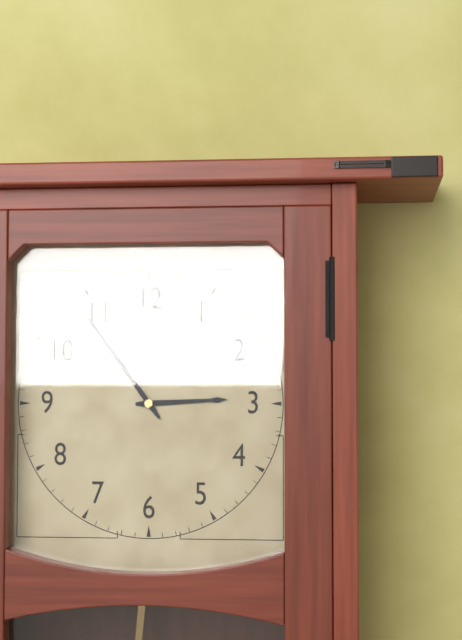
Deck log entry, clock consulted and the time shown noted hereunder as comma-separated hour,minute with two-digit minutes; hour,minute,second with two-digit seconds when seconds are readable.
2,54
